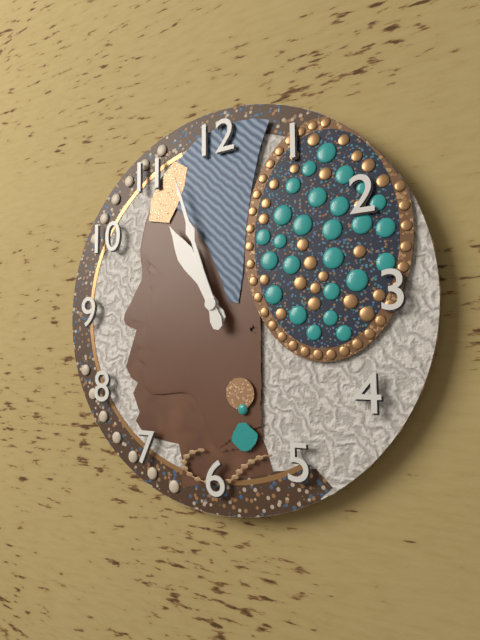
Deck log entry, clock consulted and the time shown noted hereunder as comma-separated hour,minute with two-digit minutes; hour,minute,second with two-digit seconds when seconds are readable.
10,57
